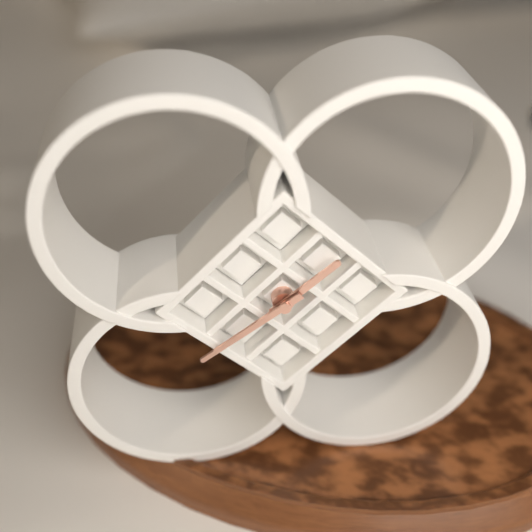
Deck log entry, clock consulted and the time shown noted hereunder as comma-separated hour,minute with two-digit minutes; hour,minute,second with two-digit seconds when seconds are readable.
1,39
